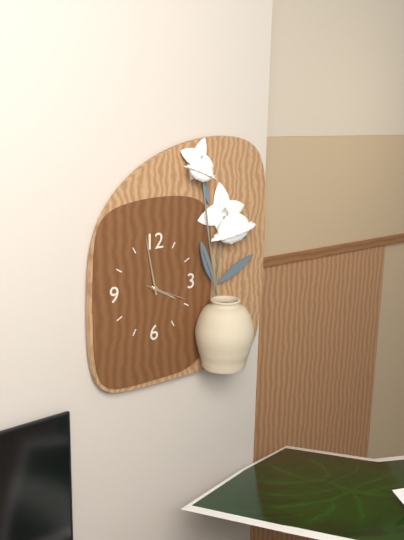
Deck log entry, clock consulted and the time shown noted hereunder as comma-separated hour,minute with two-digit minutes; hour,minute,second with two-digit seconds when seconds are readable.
3,58,19
